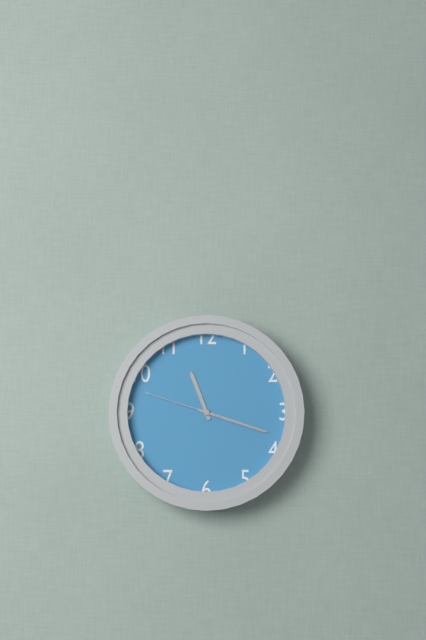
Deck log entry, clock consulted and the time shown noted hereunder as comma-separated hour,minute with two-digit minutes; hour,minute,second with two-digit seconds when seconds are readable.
11,18,48
